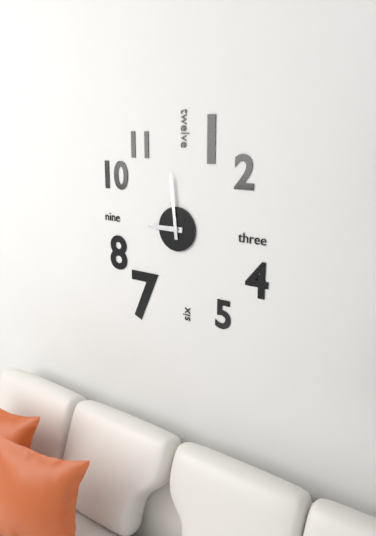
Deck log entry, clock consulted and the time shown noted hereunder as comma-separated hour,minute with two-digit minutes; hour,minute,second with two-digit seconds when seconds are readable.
8,59
